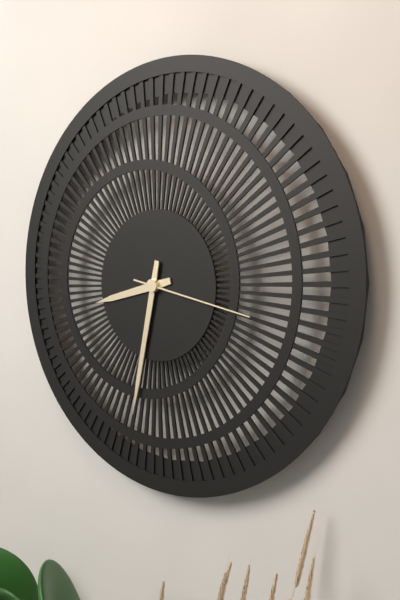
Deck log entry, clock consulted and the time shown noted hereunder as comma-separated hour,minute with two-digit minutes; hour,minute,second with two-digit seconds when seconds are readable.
8,32,17
